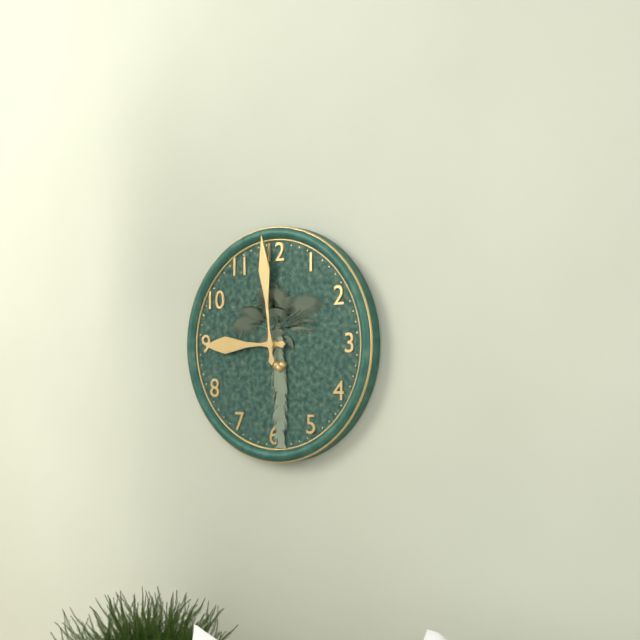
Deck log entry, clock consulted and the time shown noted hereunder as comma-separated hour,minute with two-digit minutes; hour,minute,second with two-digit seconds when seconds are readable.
8,59
